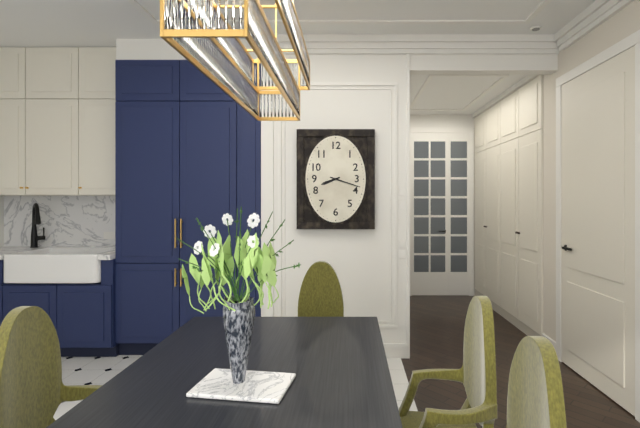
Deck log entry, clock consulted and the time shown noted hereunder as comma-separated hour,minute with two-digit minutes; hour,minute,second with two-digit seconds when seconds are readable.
8,18
